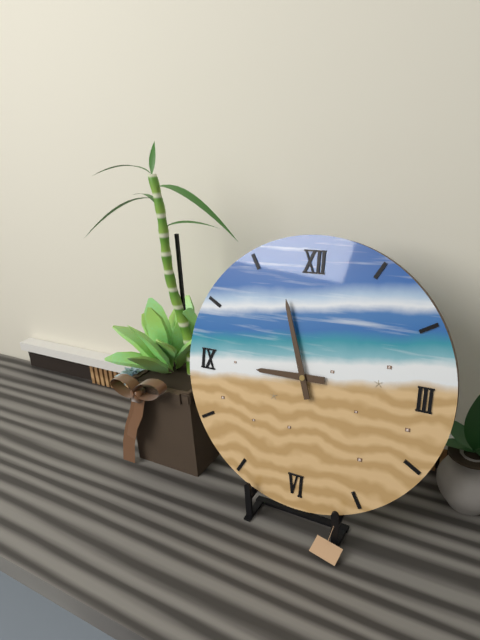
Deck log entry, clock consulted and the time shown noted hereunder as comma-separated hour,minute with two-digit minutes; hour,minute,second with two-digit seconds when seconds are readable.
8,57
